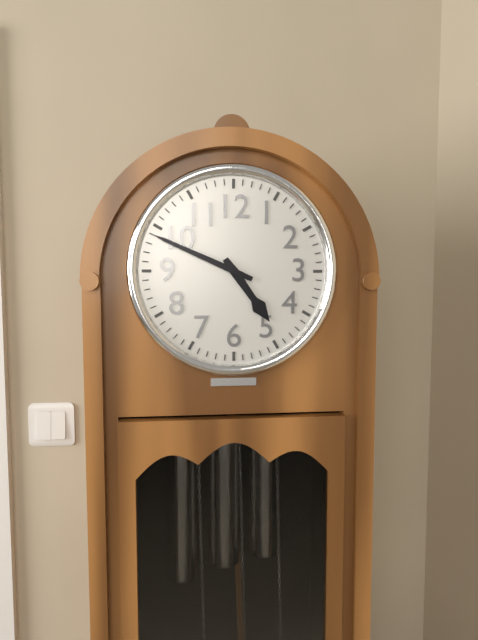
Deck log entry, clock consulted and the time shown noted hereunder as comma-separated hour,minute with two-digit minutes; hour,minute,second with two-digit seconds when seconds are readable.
4,49
